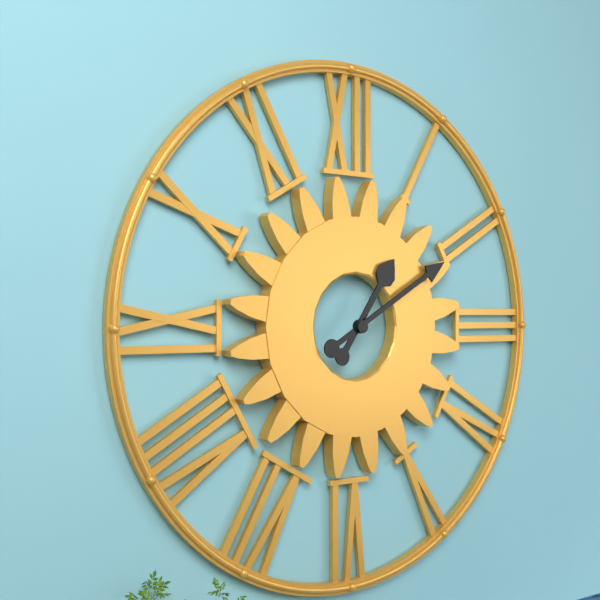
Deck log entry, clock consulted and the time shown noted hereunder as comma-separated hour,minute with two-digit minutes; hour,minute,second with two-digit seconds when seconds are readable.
1,10
